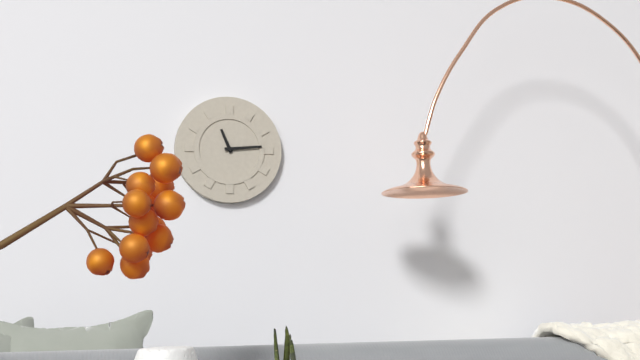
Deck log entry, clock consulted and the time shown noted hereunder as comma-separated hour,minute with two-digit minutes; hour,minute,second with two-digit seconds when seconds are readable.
11,14
